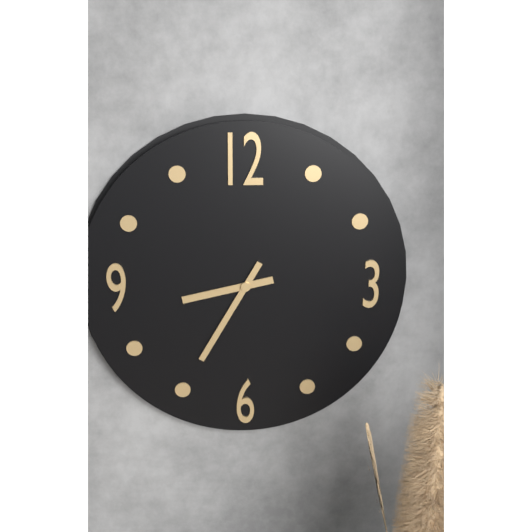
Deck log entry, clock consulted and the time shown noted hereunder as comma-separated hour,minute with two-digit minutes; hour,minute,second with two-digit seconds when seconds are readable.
8,35
